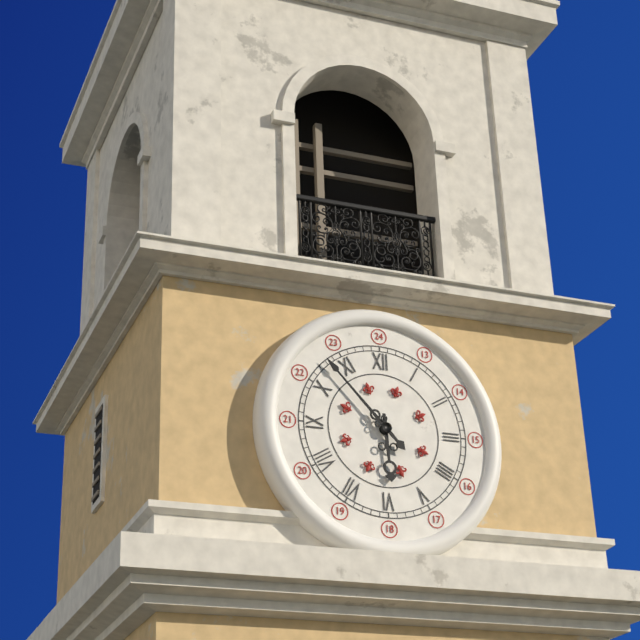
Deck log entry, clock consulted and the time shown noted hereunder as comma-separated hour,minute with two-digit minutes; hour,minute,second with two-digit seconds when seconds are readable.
5,53
